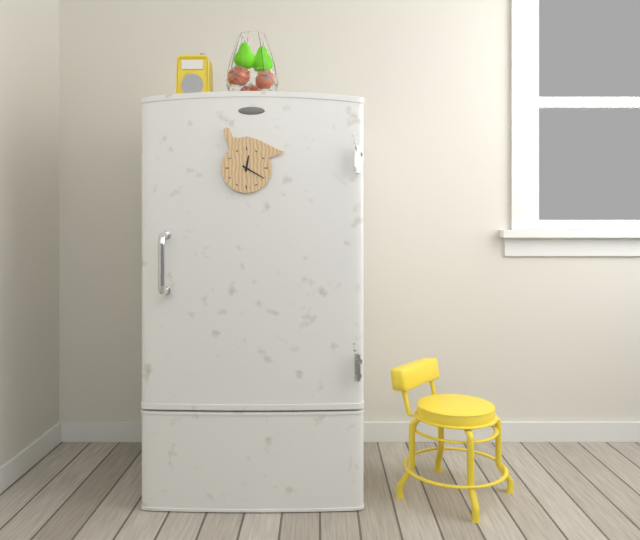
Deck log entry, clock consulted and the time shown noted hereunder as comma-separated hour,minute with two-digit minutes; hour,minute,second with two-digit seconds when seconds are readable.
12,20
